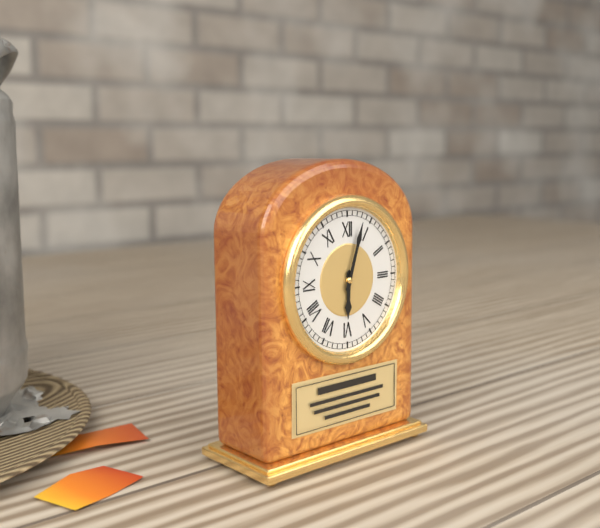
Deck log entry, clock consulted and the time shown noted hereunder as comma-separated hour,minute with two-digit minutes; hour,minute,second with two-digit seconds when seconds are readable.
6,03
